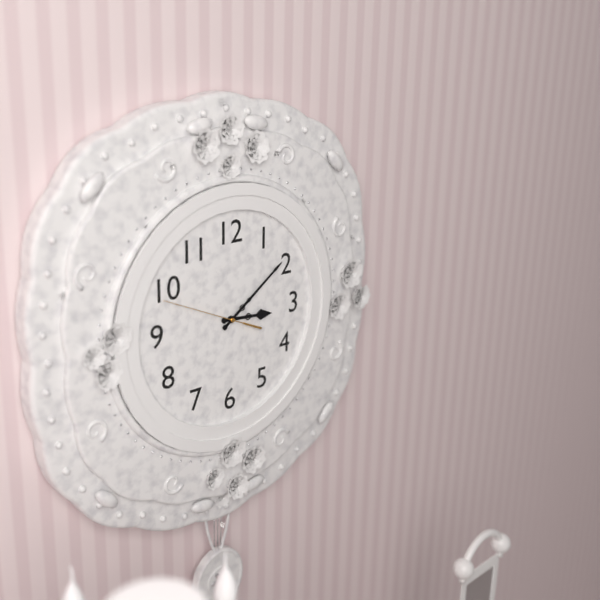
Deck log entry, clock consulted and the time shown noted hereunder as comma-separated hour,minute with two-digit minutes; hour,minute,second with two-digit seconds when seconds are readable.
3,09,49
